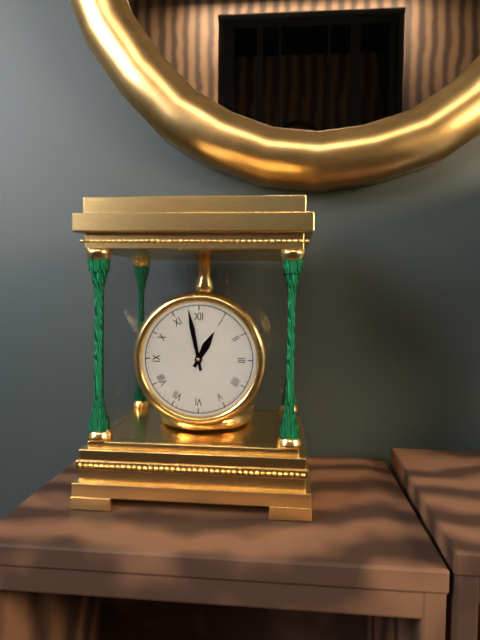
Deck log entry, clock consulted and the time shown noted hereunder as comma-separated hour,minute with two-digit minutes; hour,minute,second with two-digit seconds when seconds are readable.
12,58
